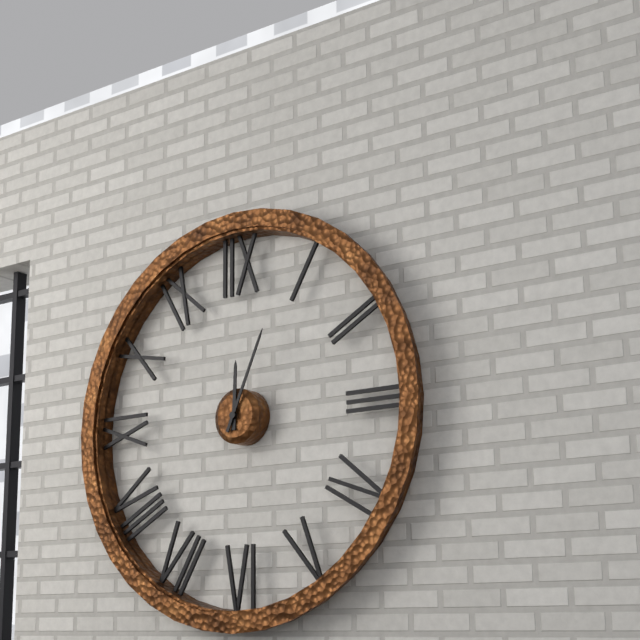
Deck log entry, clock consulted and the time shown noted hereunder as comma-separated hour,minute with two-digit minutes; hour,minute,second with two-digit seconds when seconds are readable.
12,04
